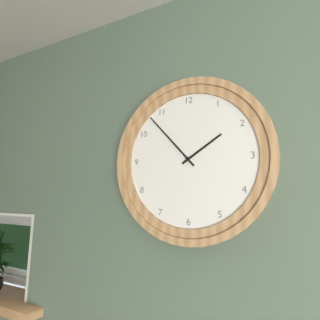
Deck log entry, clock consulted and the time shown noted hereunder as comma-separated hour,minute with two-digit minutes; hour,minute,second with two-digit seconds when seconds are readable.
1,53
